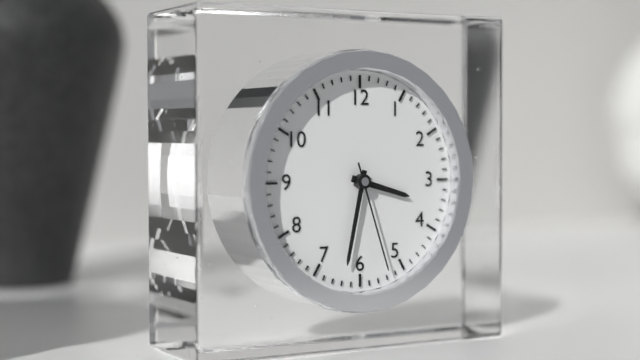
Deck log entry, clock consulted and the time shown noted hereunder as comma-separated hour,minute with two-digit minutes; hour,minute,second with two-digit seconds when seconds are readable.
3,32,27
